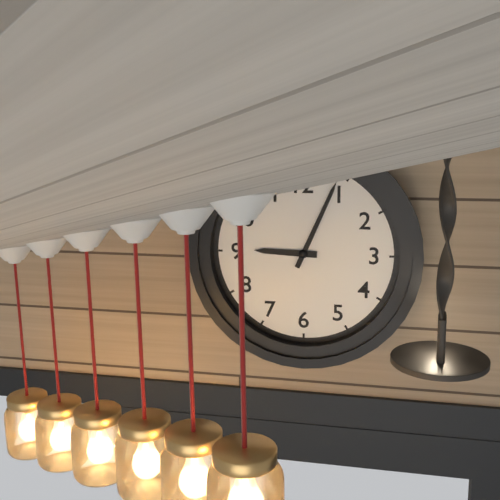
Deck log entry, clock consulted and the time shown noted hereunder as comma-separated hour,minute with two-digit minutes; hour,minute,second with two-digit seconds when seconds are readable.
9,04
